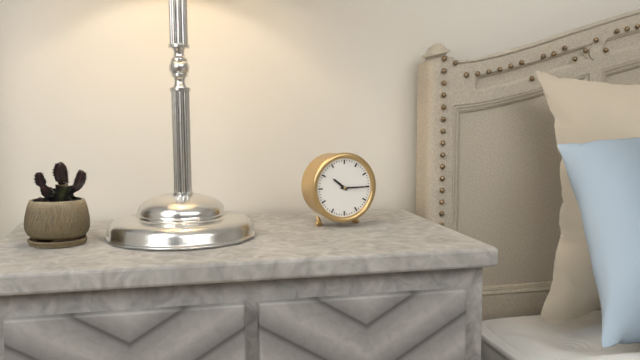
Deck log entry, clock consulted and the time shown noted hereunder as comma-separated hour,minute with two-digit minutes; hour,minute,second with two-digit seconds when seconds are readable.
10,15
